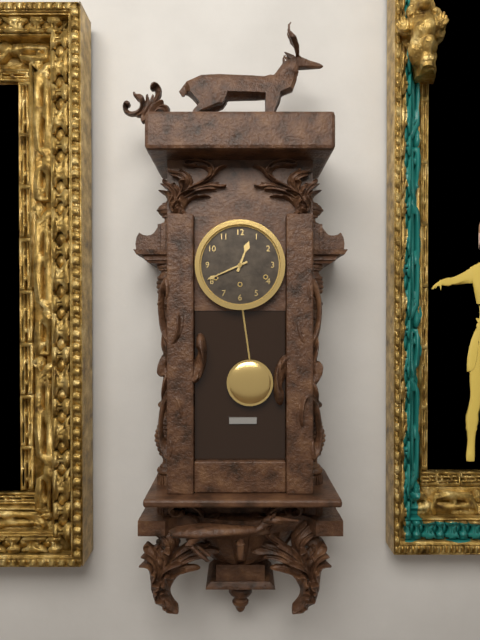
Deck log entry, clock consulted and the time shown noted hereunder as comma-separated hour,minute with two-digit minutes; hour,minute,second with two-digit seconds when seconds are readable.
12,41
